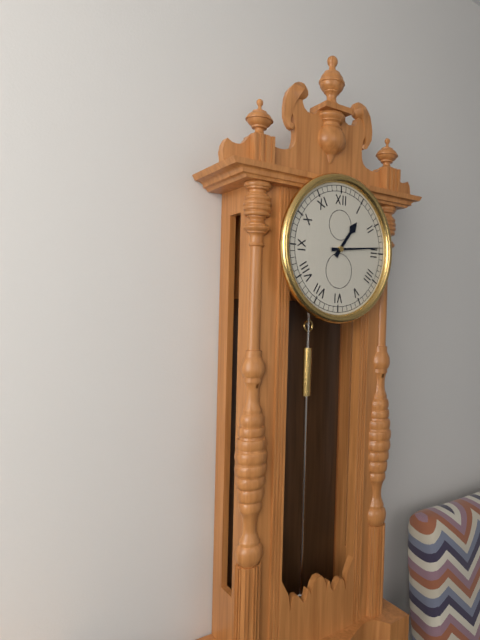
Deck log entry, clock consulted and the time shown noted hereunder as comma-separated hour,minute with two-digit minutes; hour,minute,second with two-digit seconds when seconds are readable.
1,14
